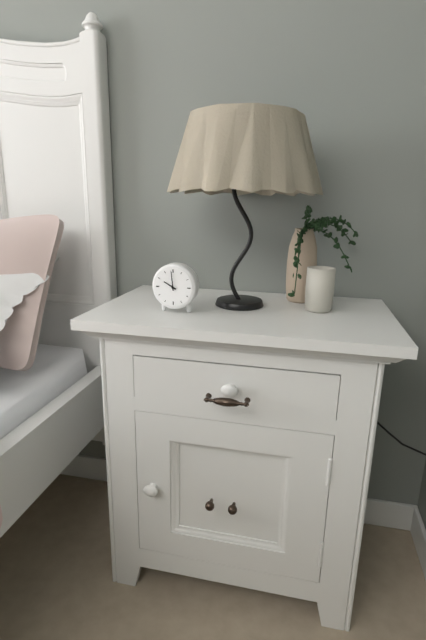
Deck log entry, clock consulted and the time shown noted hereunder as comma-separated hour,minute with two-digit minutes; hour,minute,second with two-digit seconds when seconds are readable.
9,59
